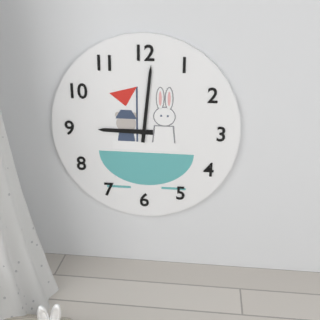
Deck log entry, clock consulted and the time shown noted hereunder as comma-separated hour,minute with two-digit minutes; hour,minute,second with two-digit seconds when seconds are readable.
9,01
